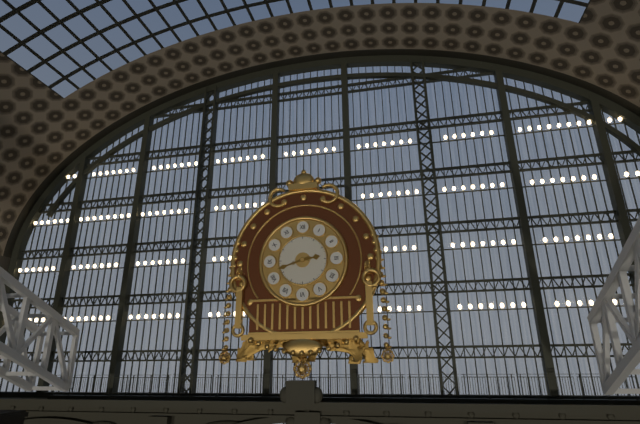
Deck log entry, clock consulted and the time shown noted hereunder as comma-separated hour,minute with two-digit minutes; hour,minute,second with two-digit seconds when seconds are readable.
2,42
